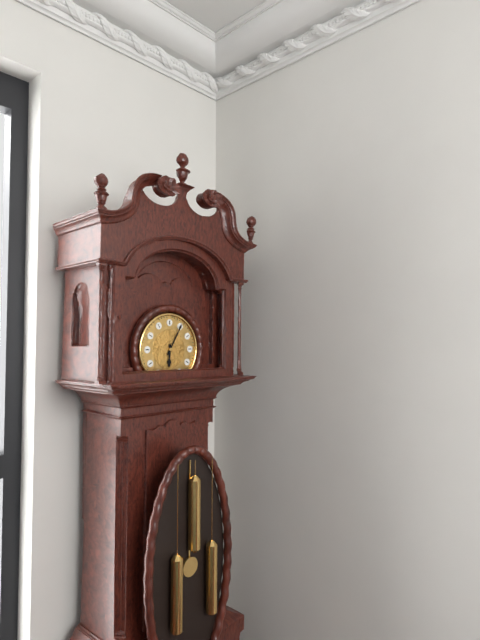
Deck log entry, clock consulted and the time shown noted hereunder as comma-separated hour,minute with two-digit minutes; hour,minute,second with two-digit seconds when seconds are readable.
6,05
